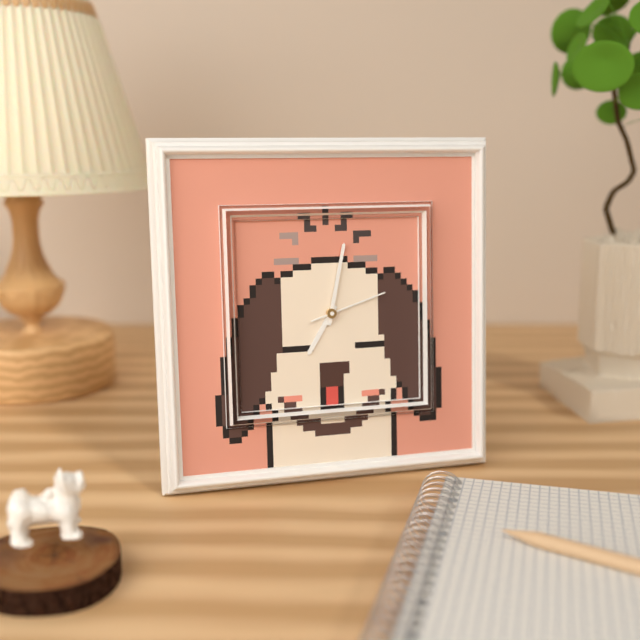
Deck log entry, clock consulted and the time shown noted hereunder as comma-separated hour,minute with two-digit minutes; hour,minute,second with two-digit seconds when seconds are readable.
7,02,12
